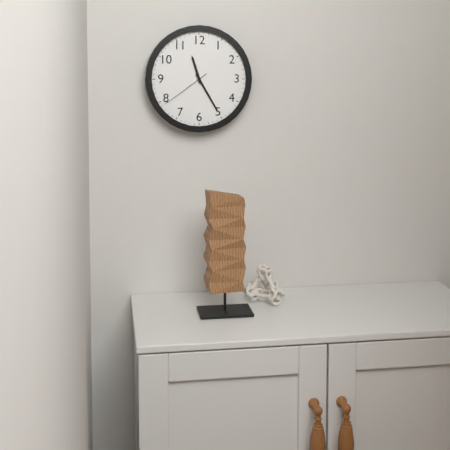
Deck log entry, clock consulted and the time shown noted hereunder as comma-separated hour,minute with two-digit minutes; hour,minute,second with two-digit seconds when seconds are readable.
11,25,39
